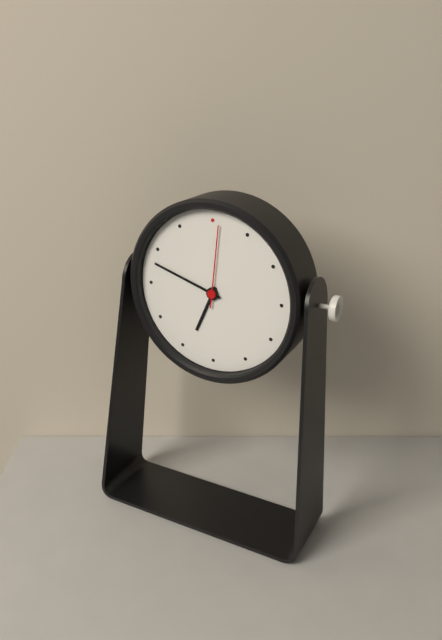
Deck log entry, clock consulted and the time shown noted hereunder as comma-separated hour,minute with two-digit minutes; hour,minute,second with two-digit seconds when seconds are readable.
6,48,01
